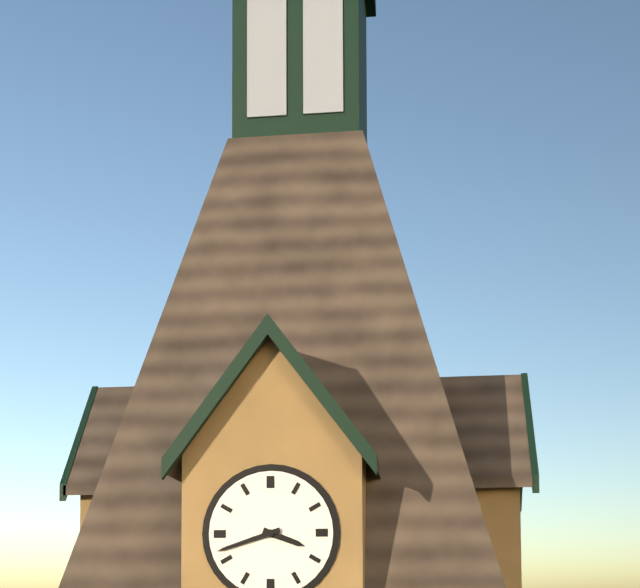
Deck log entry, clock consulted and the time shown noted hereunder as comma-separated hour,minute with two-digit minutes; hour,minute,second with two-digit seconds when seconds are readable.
3,42
